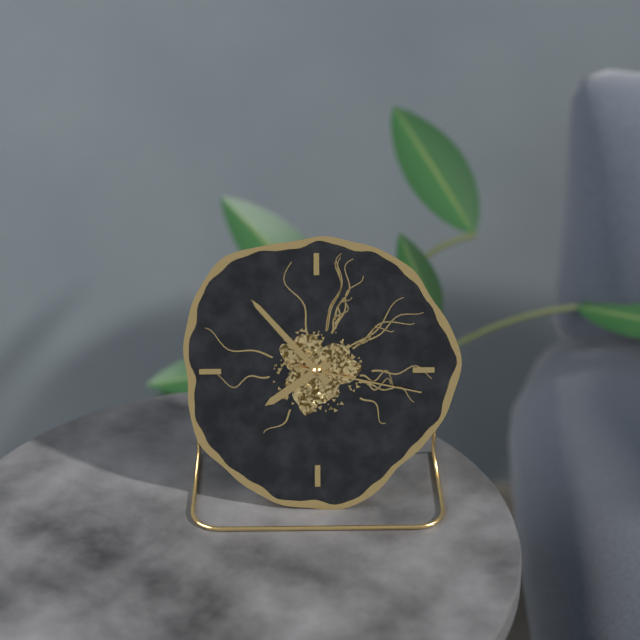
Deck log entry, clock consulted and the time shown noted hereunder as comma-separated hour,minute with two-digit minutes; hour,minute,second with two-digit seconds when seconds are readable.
7,53,17
